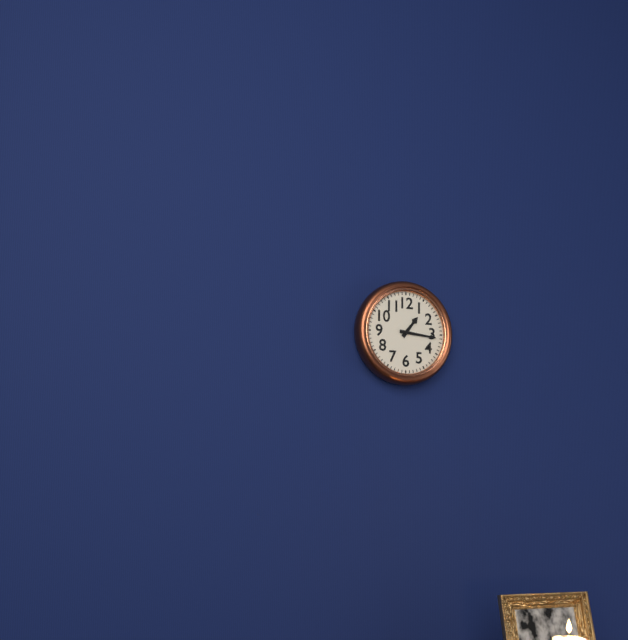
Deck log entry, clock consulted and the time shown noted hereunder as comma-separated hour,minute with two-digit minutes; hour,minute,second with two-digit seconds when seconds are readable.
1,16
